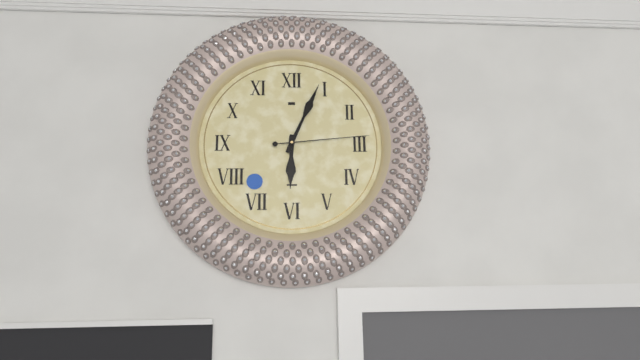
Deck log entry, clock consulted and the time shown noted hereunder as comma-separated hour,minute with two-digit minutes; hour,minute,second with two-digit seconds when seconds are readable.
6,04,14
